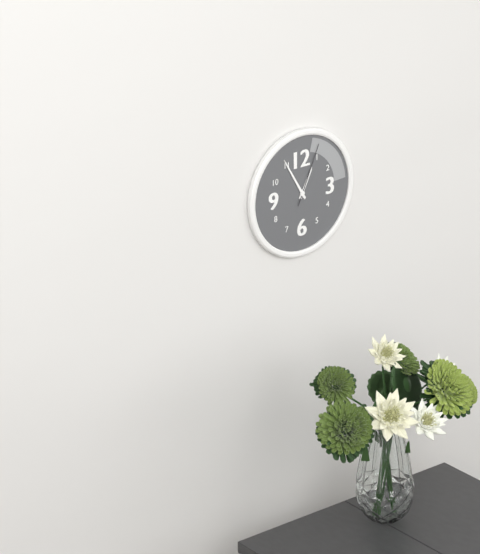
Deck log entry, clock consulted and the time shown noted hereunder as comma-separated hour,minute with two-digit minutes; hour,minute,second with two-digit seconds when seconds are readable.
12,55,04
